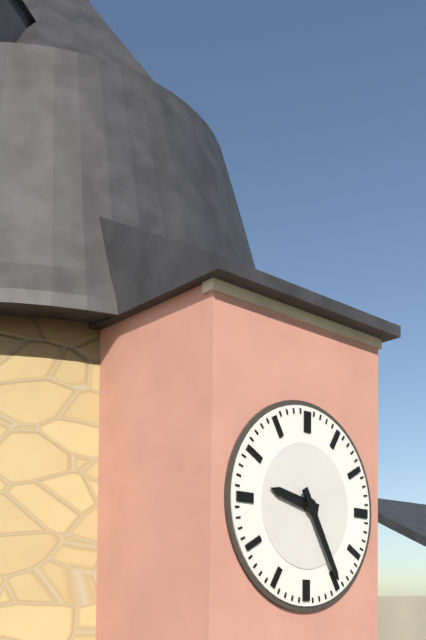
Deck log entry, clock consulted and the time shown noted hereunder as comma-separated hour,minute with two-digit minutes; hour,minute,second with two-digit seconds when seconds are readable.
9,25
